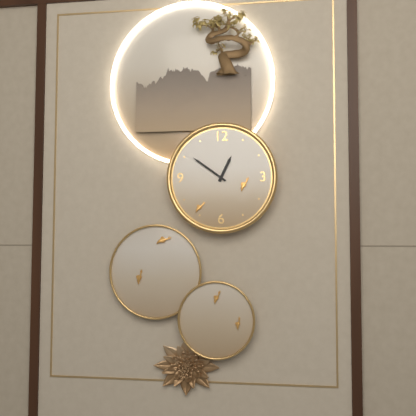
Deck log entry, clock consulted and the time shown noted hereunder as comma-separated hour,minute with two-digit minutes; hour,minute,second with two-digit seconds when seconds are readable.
12,51
